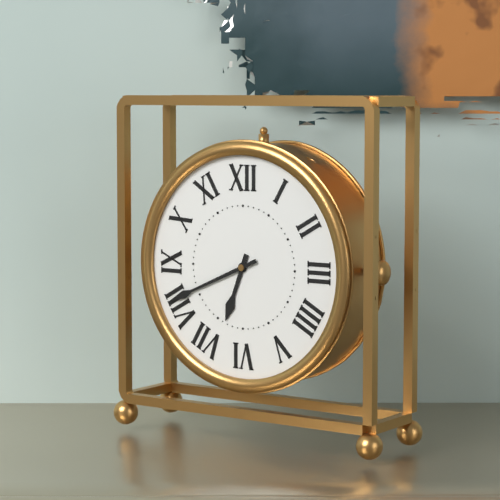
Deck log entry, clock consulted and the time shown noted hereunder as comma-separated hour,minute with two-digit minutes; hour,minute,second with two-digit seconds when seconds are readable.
6,41
